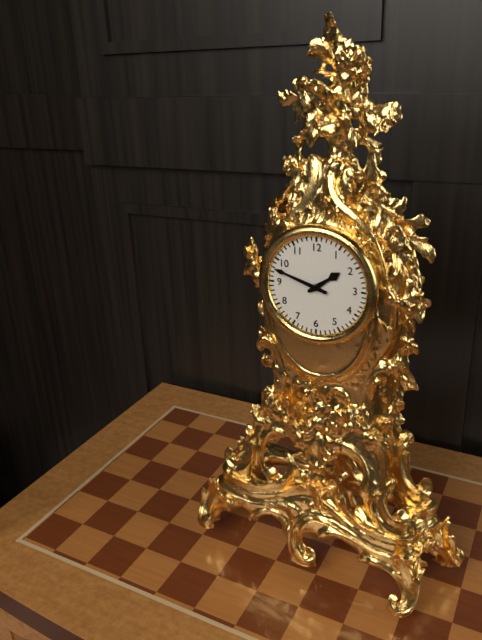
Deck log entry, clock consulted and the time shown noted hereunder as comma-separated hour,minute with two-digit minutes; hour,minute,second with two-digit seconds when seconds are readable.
1,48
